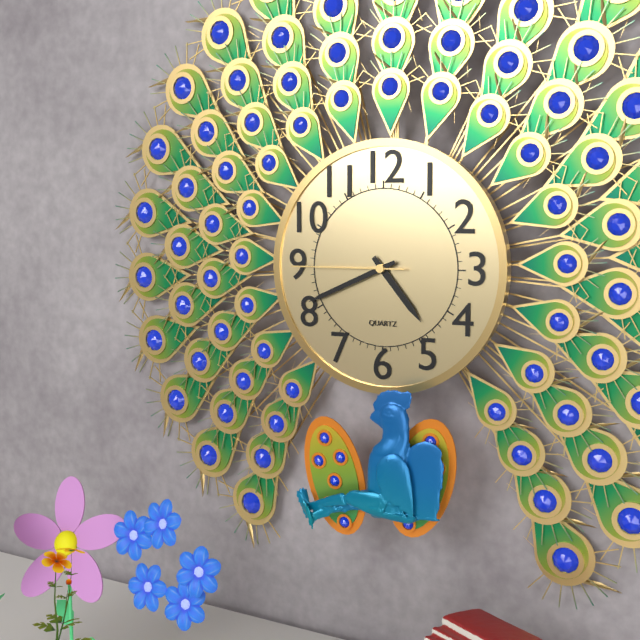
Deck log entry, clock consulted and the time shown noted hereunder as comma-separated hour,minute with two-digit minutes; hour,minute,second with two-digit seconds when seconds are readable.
4,41,45
